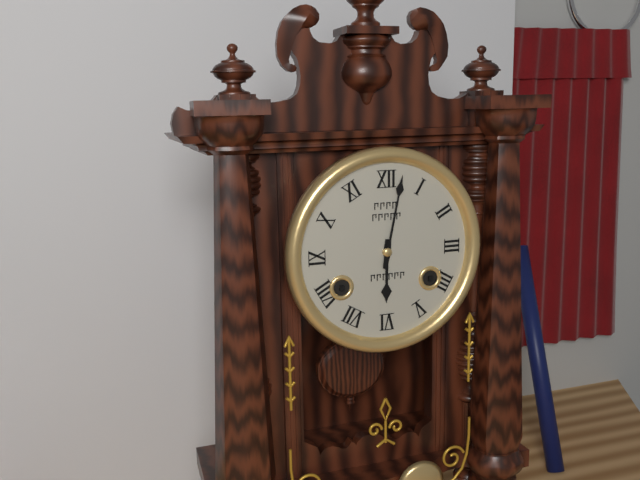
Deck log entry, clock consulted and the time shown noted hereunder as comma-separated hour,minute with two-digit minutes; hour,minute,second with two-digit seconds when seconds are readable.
6,02
